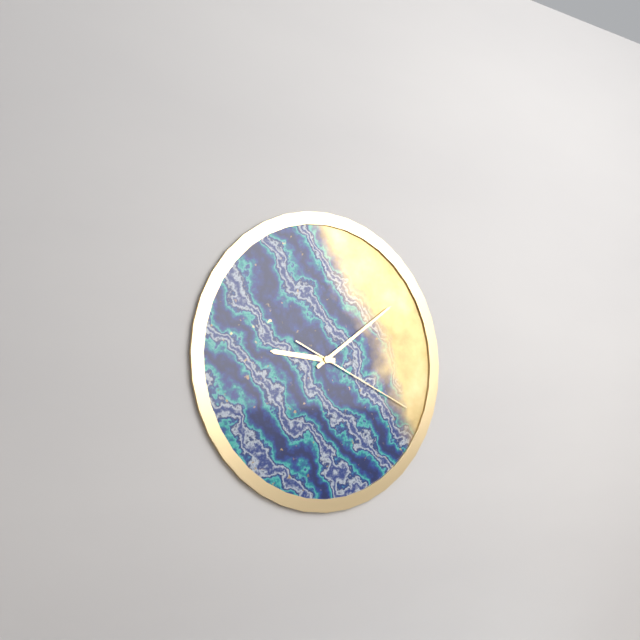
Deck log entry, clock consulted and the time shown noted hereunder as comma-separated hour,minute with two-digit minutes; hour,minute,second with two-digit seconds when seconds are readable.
9,09,19
